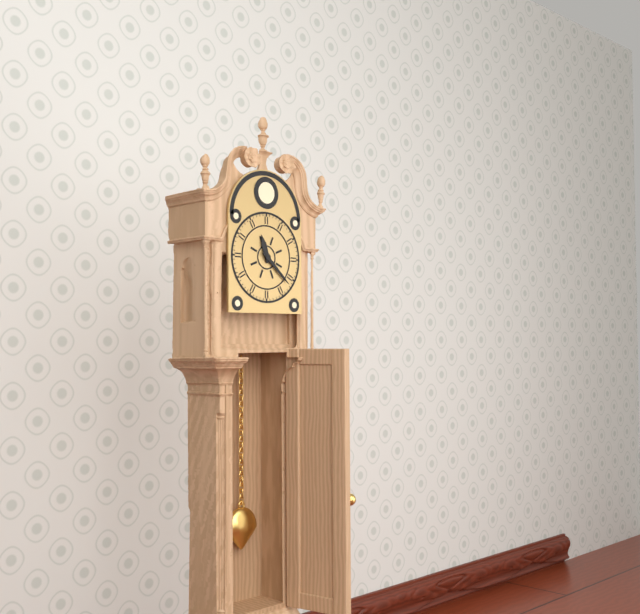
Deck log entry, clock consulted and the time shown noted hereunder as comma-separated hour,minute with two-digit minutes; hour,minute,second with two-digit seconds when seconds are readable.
11,22
